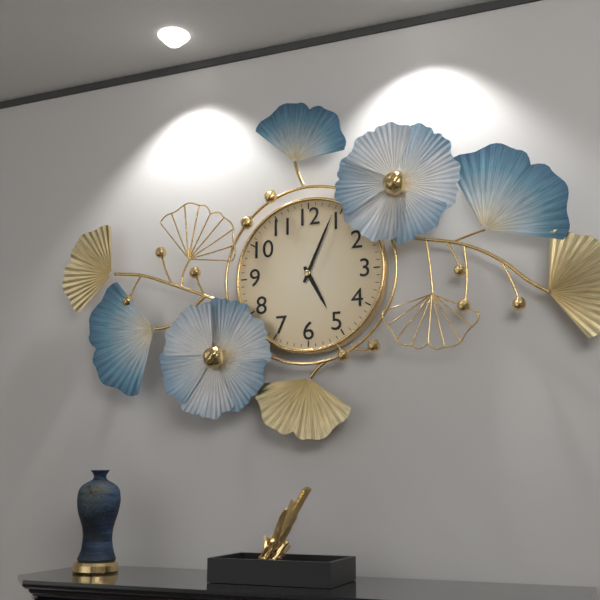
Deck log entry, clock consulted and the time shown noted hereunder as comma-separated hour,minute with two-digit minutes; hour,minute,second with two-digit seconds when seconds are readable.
5,04
